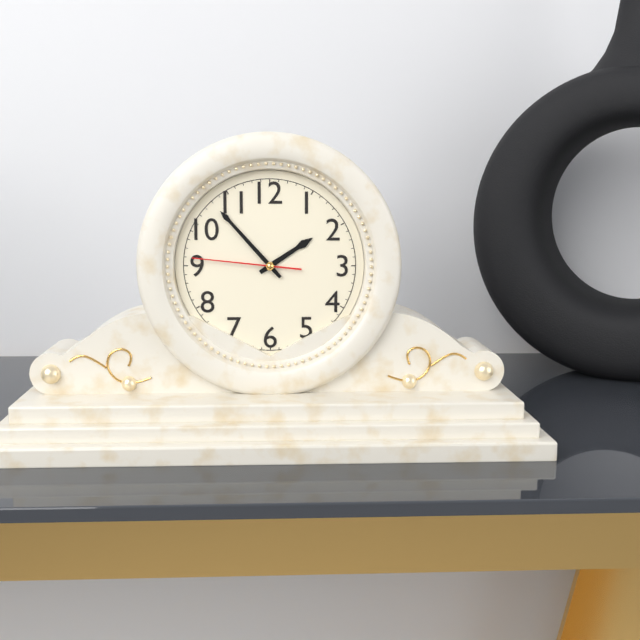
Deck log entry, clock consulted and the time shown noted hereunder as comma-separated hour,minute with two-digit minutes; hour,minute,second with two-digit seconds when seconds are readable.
1,53,46
